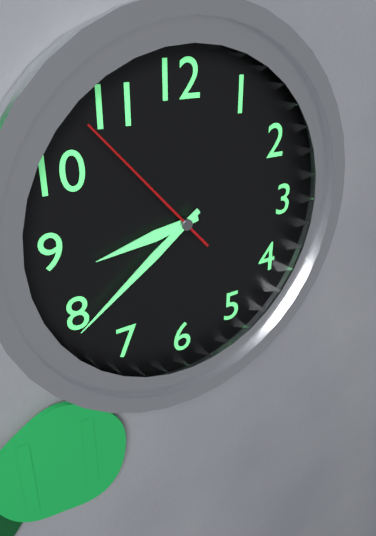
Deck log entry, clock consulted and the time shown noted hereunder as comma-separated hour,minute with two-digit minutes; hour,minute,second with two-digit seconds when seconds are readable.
8,39,53
